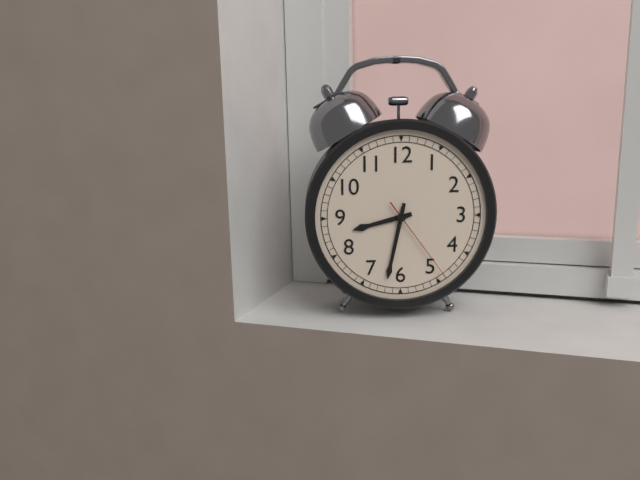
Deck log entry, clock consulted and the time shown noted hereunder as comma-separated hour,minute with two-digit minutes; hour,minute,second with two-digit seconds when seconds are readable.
8,32,24
